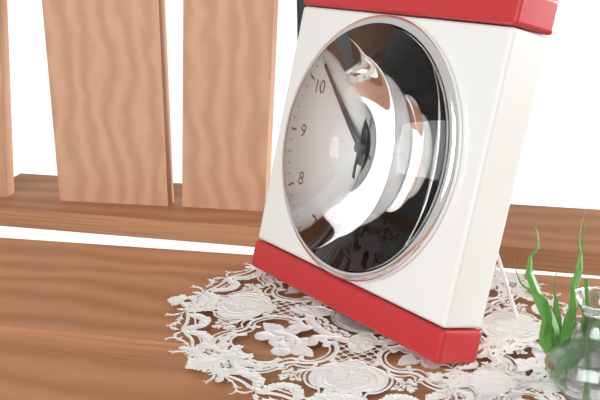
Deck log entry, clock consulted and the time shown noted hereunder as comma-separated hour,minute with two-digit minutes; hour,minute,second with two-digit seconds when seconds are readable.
11,52,00
